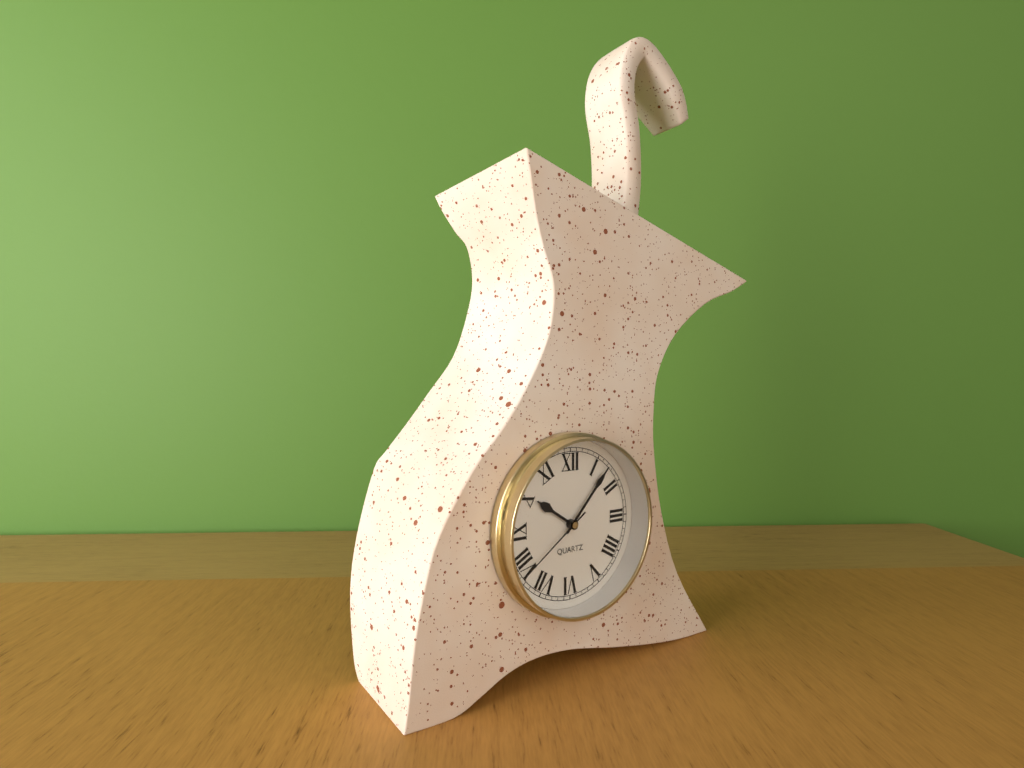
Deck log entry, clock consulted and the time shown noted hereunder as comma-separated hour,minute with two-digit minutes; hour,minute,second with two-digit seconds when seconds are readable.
10,07,39
